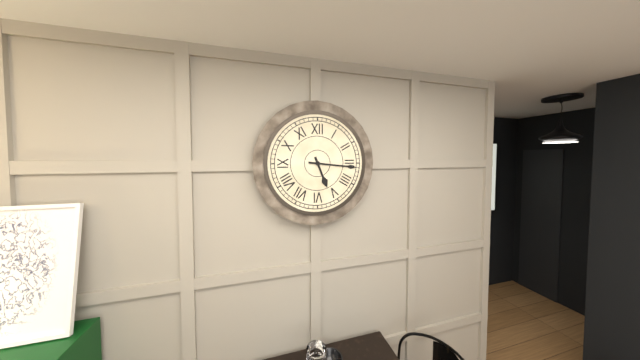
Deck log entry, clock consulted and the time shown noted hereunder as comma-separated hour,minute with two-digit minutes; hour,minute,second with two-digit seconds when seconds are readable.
5,16
